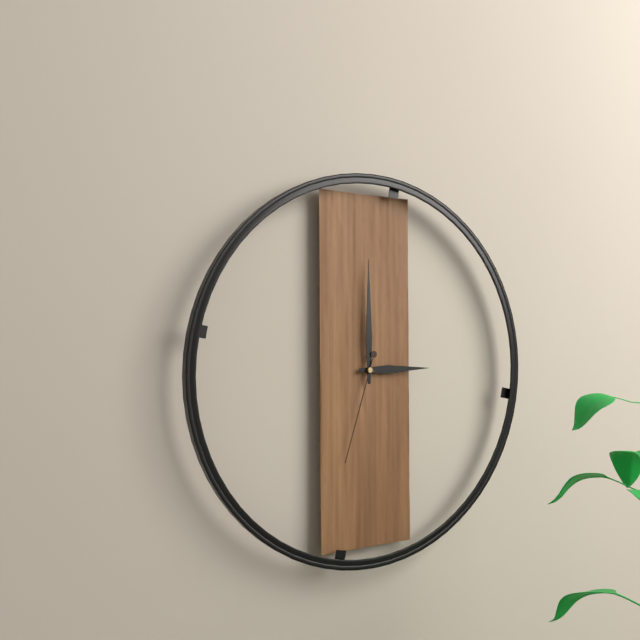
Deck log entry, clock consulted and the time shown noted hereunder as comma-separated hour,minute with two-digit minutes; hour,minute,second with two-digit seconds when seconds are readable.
3,00,33
